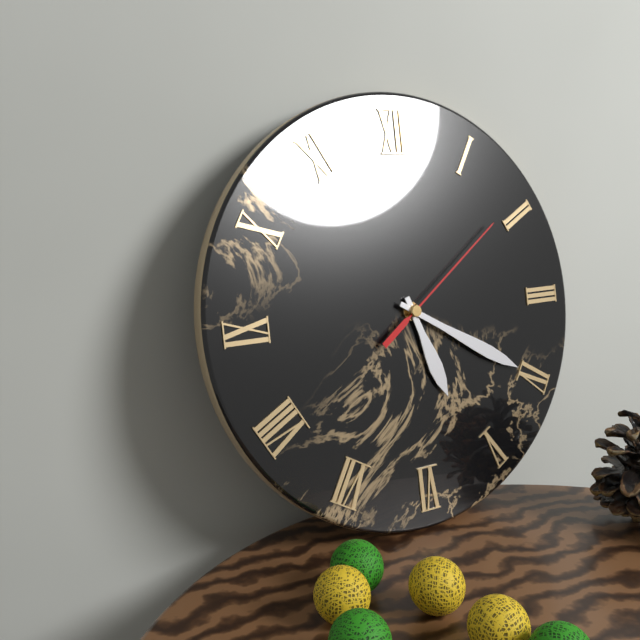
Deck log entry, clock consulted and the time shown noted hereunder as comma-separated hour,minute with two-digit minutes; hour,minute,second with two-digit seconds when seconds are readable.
5,20,09
